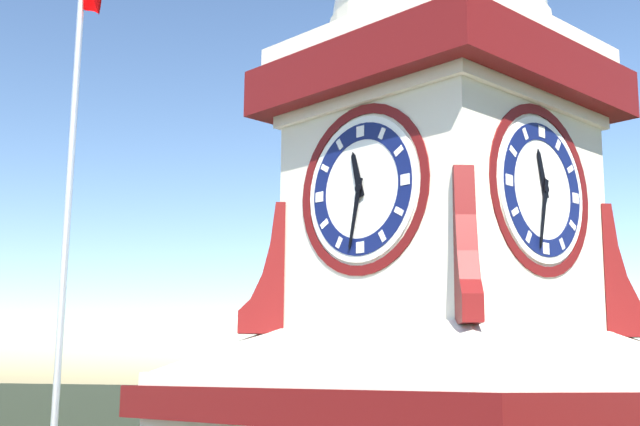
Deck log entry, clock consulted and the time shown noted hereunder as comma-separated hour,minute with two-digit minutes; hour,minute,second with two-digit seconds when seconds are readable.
11,32
